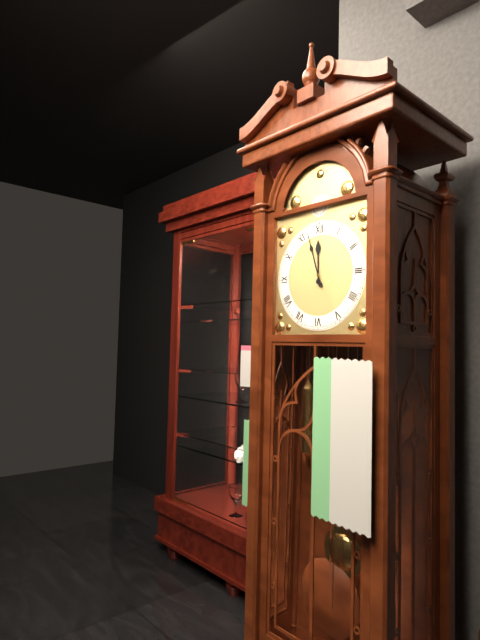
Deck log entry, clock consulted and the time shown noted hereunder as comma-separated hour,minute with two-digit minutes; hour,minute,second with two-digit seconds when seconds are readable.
11,57
